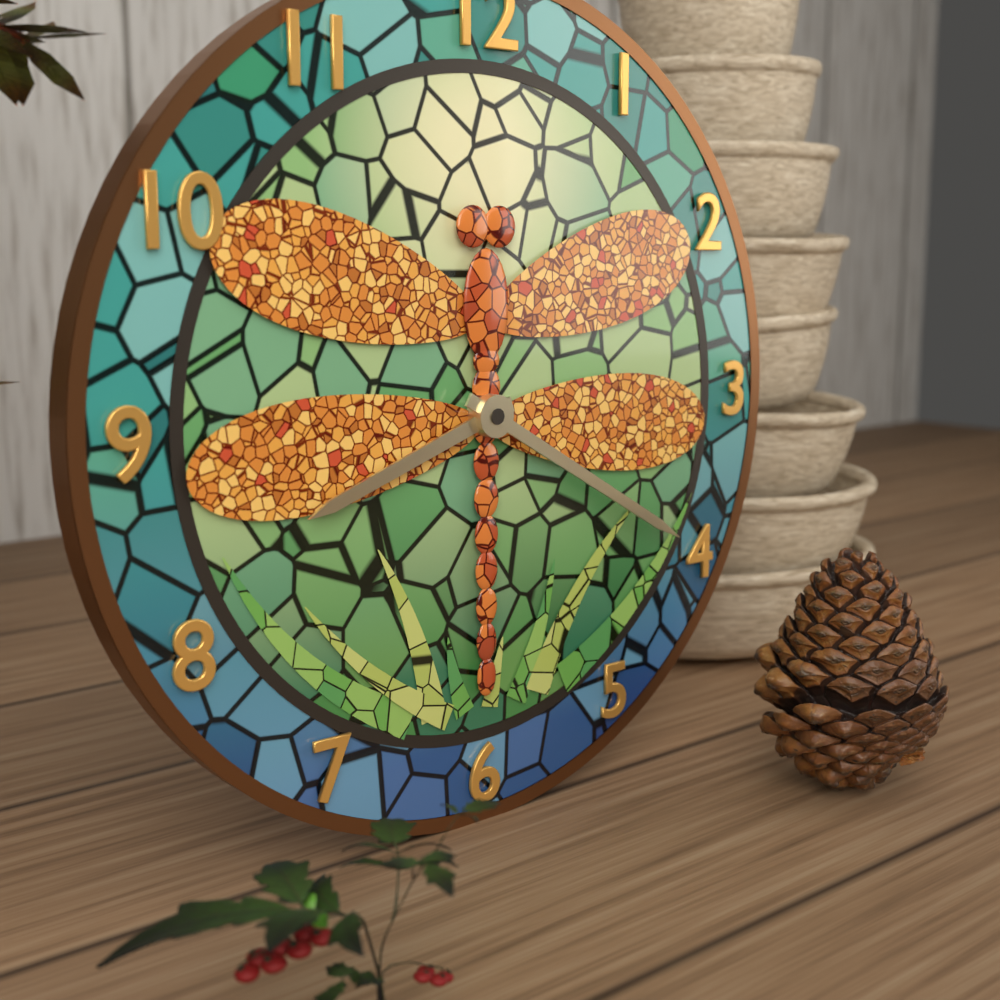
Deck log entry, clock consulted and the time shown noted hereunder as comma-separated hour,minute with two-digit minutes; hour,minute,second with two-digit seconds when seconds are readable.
8,20
